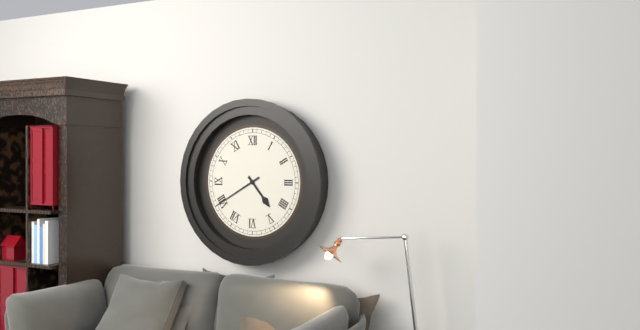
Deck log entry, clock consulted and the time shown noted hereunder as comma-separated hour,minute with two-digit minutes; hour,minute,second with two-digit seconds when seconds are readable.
4,40
